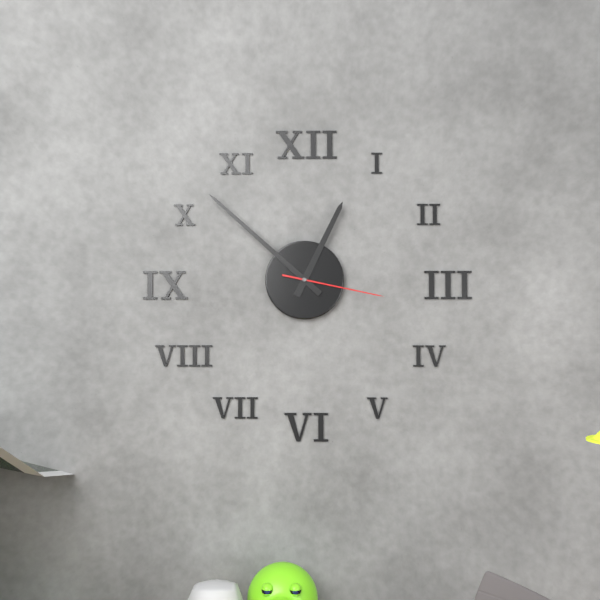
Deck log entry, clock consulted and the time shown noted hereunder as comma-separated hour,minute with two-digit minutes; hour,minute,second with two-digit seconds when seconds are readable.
12,52,17
